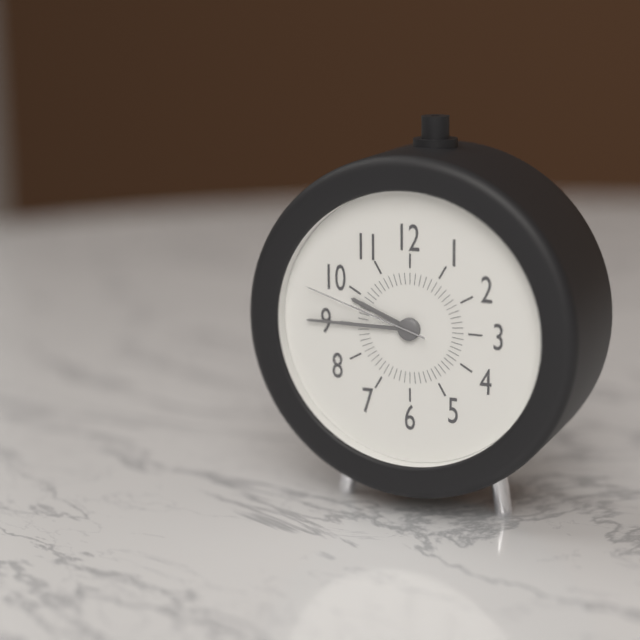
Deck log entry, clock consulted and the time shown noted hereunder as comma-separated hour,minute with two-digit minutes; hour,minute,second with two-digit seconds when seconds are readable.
9,45,48
